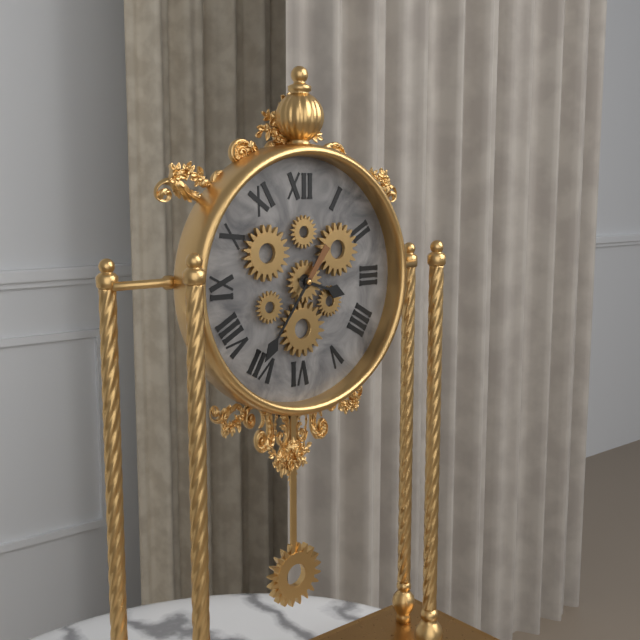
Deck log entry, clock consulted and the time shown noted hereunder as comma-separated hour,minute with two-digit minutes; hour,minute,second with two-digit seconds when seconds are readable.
3,36
